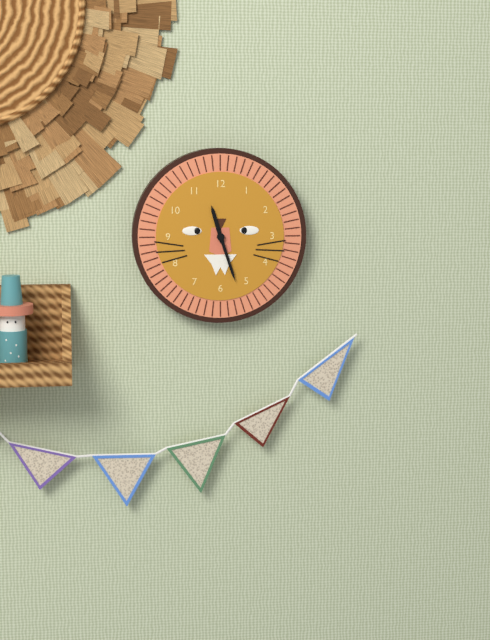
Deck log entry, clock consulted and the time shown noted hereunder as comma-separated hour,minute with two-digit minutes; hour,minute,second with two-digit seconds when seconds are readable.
11,27
